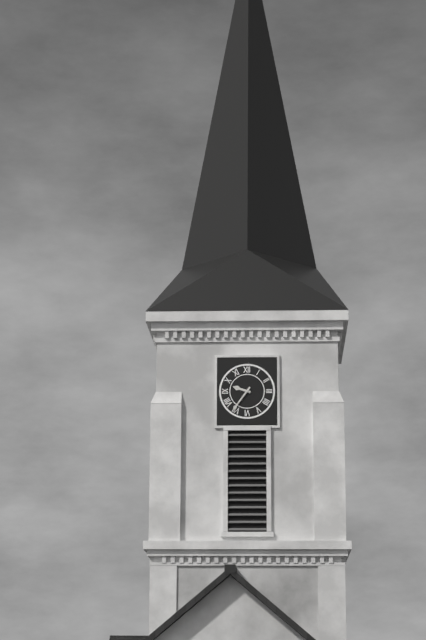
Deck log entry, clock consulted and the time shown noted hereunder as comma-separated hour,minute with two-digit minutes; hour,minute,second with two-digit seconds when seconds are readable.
9,36
